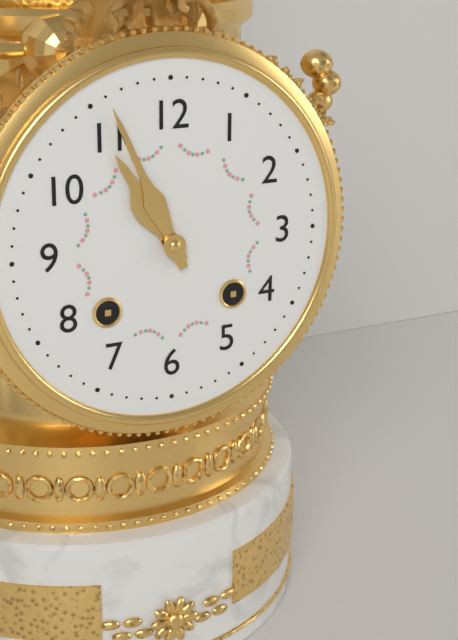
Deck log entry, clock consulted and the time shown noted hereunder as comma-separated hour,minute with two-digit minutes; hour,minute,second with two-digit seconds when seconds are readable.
10,56
